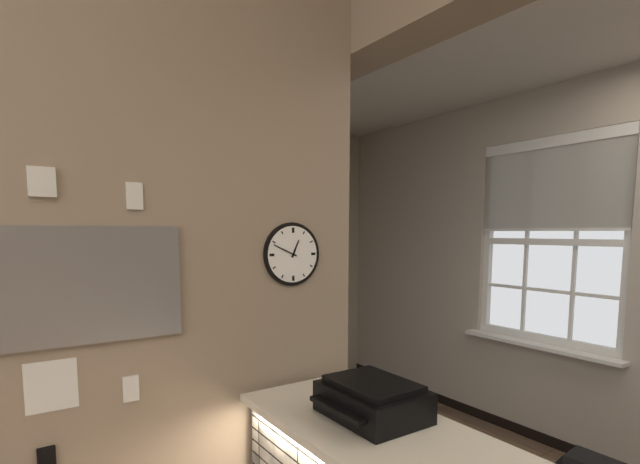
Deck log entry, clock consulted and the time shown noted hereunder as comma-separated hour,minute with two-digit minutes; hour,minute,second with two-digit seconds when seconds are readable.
12,49
